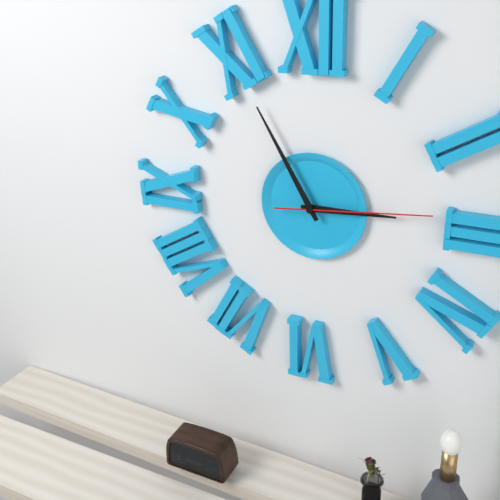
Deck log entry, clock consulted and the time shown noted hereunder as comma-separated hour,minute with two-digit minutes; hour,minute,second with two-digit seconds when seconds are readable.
2,55,14
